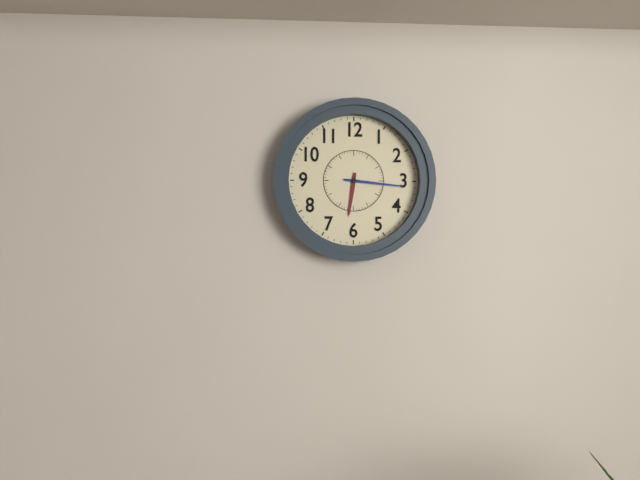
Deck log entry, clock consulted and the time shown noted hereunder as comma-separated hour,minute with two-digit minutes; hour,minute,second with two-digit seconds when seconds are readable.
6,16
